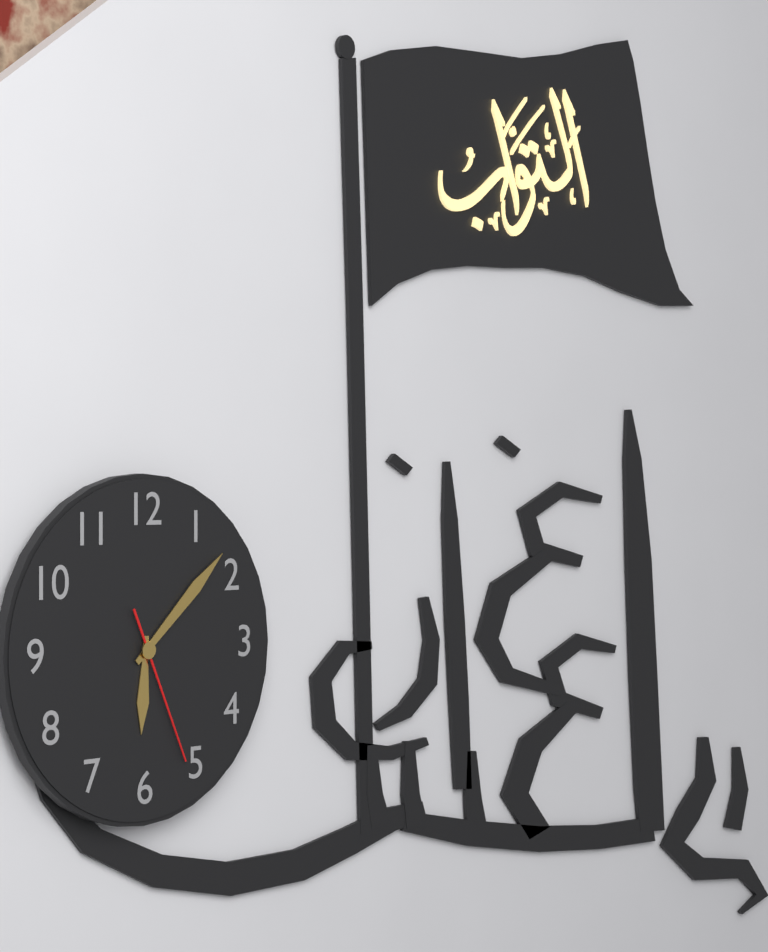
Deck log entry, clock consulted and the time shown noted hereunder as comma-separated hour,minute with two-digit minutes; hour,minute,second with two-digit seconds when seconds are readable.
6,08,26
